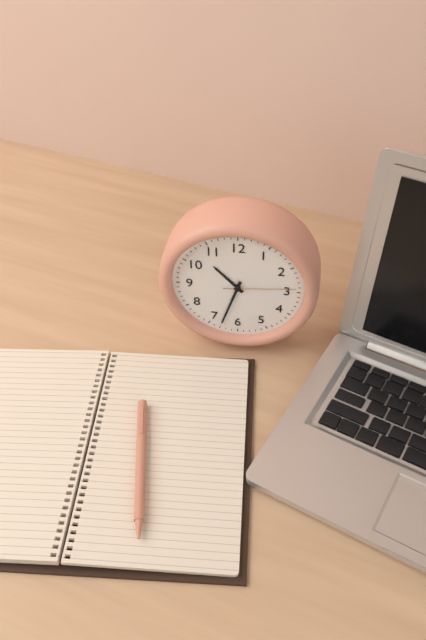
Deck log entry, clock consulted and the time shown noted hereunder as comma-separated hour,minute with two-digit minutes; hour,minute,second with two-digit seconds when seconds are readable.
10,33,14
